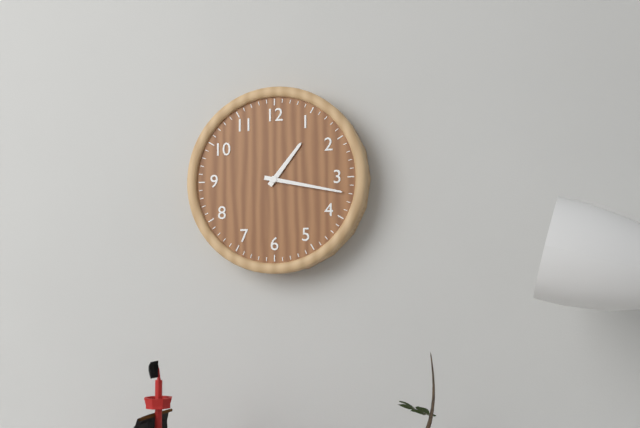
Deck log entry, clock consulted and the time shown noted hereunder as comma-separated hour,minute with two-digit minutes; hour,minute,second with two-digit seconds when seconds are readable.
1,17
